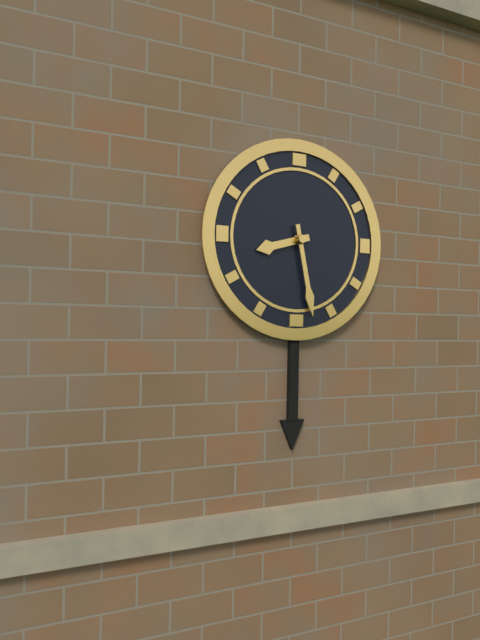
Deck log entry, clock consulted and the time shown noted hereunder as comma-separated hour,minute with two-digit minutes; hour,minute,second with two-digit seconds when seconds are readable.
8,28
